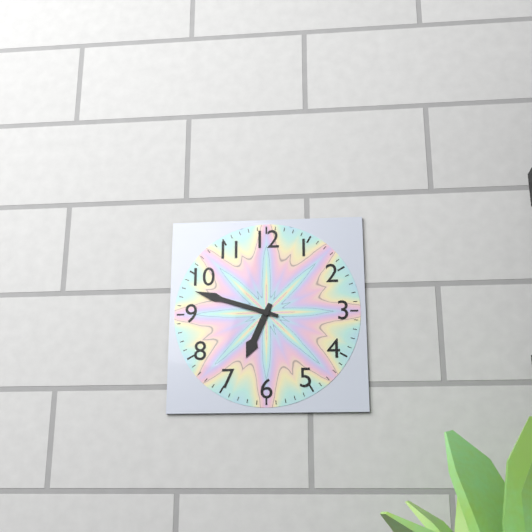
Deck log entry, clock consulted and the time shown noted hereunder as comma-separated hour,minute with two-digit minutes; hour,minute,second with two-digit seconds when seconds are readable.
6,48
